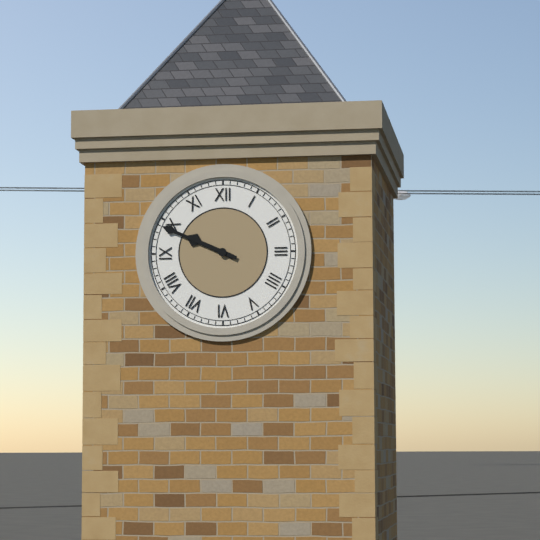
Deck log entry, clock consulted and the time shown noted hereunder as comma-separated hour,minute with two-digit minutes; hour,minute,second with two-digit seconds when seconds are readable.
9,49
